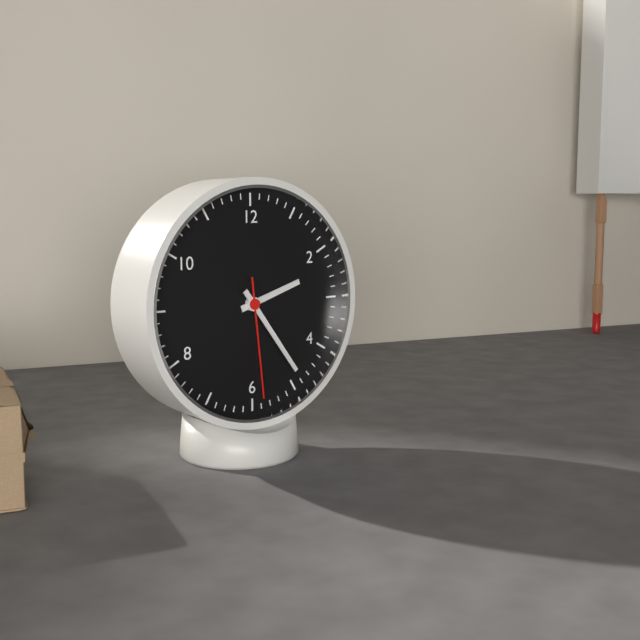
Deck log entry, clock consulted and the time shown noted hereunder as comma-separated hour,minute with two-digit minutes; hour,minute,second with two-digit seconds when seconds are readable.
2,24,29
